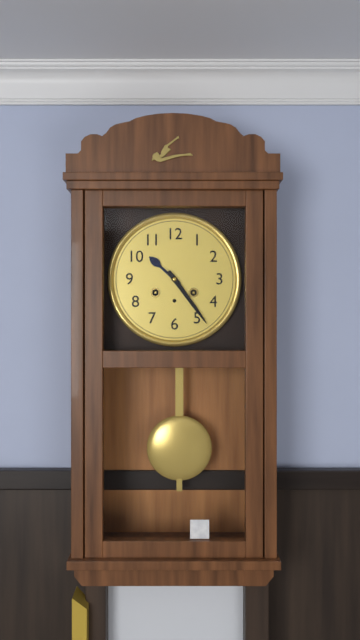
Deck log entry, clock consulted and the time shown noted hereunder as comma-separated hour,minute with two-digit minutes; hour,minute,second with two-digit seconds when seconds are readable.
10,24
